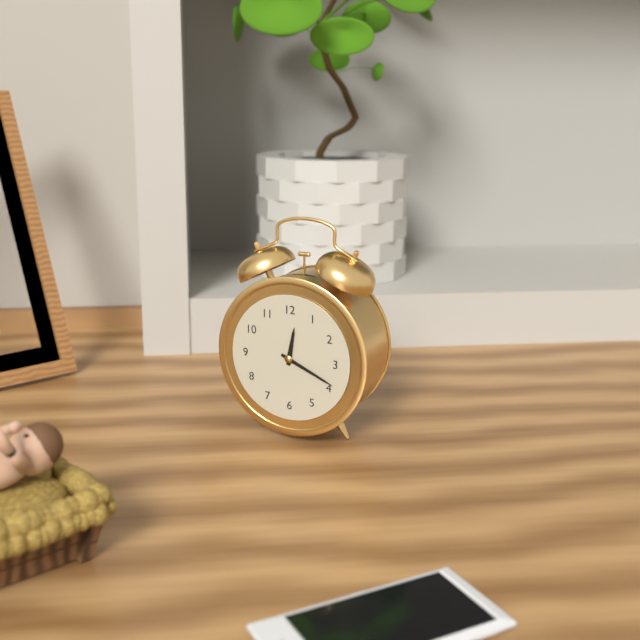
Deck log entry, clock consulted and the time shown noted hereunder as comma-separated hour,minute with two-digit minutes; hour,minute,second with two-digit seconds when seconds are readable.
12,19
